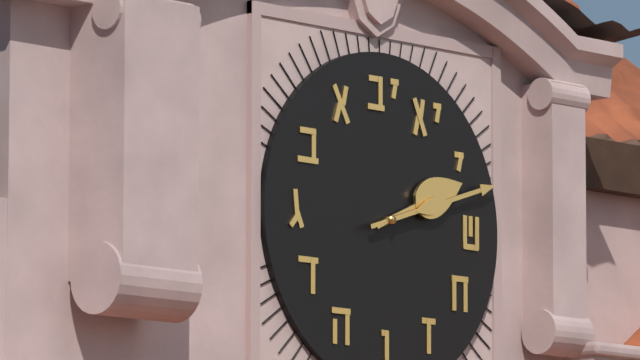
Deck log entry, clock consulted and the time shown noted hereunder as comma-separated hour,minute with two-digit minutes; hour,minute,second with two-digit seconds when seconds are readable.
2,12
